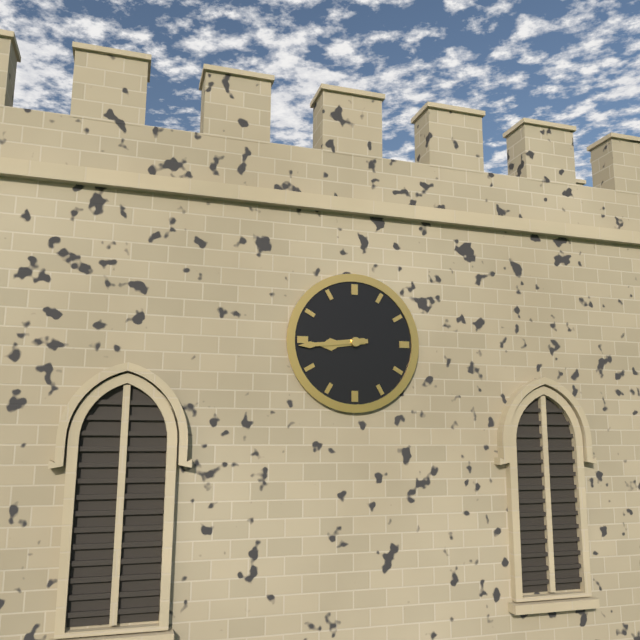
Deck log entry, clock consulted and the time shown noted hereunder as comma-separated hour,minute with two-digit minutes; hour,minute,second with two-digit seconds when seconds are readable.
8,44
